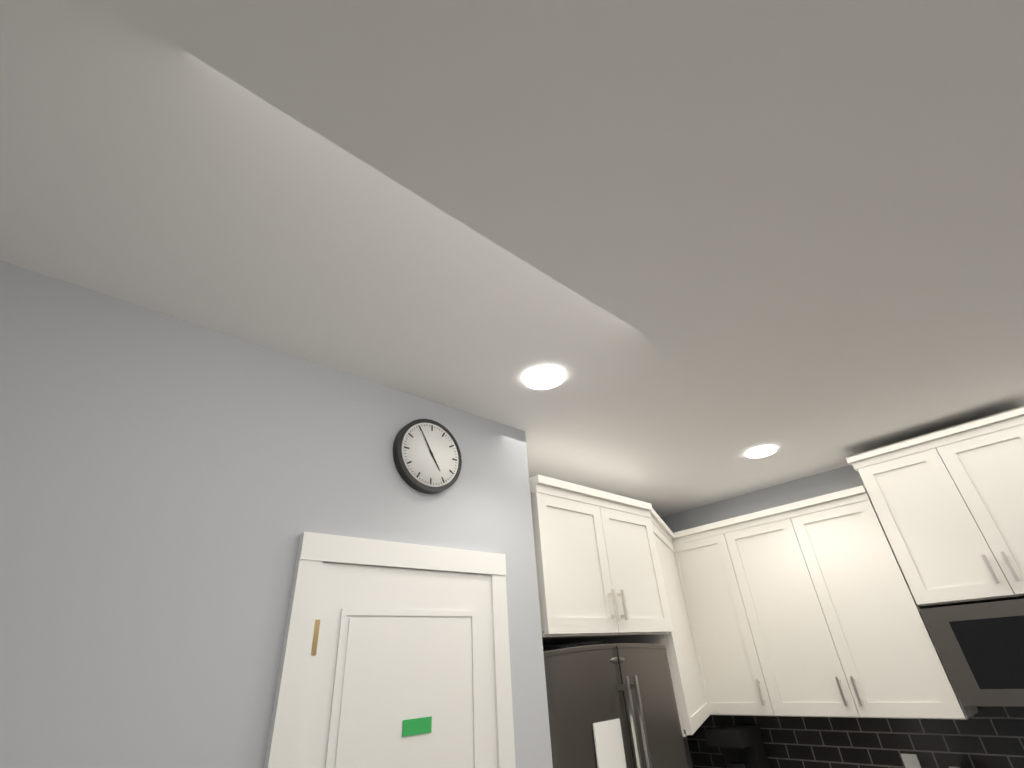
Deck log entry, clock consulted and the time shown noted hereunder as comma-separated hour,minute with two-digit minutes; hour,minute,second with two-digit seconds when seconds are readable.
4,55
